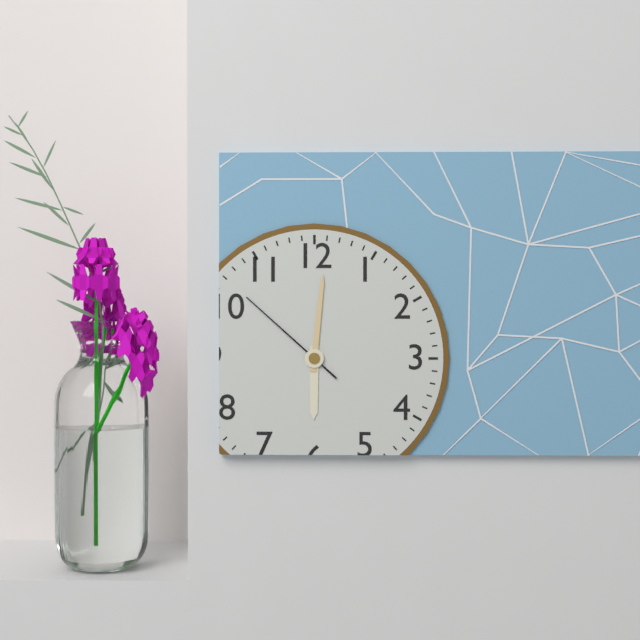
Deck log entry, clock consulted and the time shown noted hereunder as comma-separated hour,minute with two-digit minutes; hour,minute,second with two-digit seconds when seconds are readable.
6,01,52
